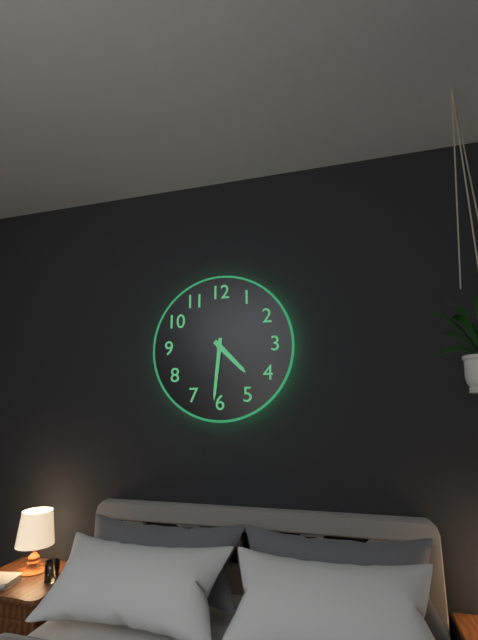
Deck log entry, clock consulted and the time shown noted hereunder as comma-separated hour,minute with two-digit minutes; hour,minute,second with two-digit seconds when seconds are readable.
4,31
